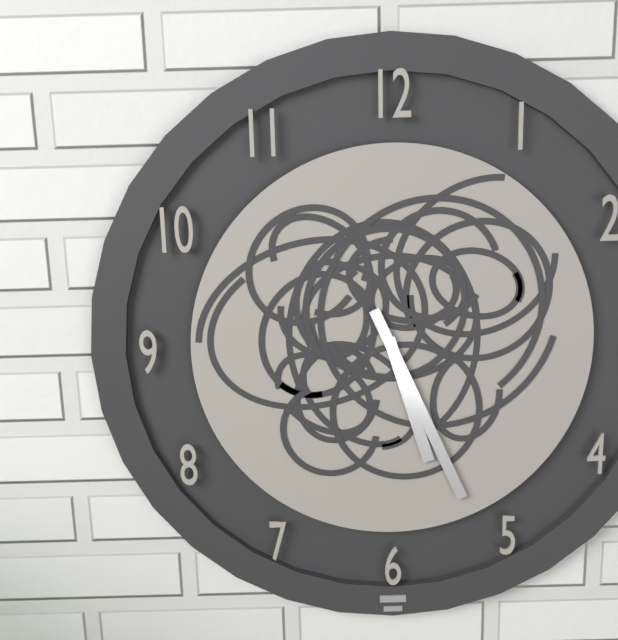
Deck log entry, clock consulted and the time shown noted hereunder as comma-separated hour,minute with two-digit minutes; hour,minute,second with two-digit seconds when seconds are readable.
5,26
